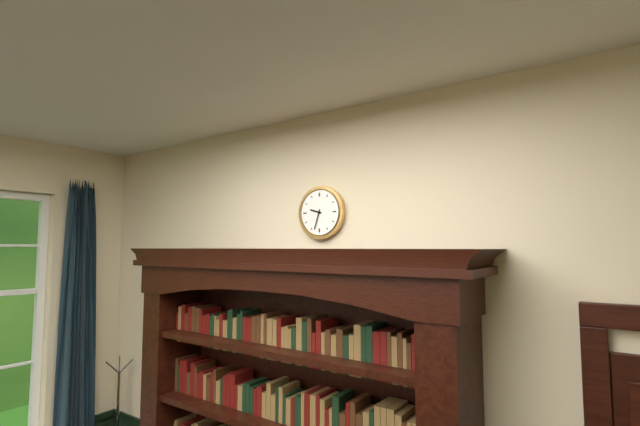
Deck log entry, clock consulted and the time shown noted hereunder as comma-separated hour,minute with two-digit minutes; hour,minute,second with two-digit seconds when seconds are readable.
9,33
